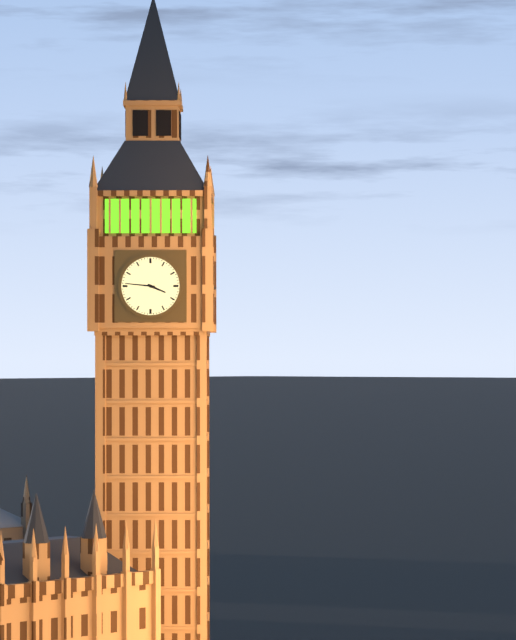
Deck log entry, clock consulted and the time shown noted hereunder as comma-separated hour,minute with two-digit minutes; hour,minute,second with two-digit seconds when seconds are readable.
3,46
